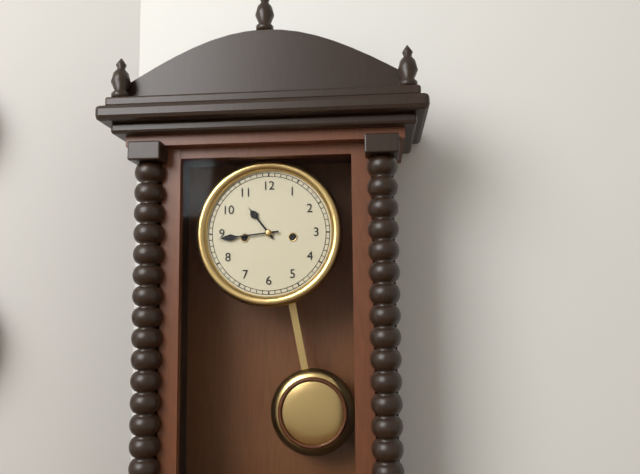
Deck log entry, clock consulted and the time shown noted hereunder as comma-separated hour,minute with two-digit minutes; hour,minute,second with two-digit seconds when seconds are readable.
10,44
